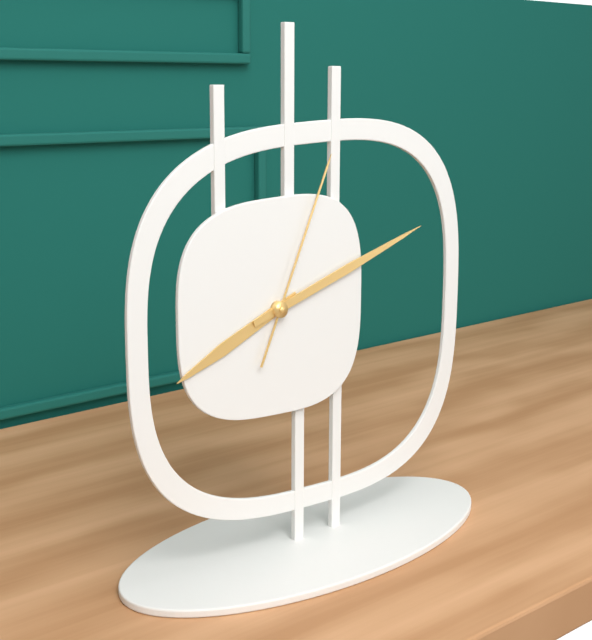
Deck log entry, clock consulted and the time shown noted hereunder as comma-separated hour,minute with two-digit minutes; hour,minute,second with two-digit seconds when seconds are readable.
8,12,04
